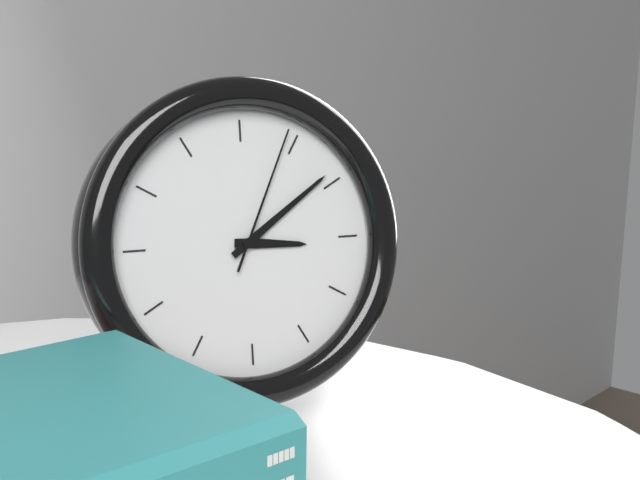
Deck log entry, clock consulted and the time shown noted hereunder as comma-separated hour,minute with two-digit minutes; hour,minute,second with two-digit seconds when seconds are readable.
3,09,04
